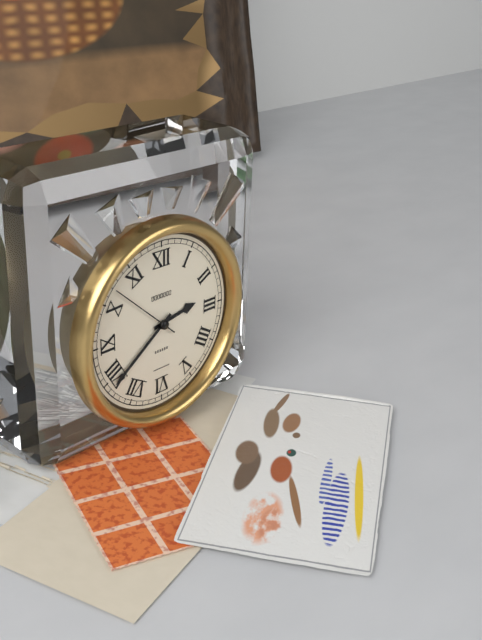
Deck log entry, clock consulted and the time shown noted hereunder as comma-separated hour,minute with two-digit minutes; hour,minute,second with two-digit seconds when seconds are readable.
2,39,52
